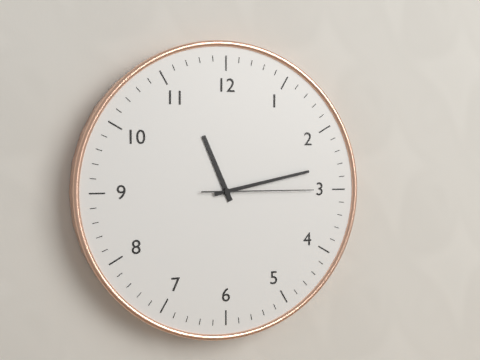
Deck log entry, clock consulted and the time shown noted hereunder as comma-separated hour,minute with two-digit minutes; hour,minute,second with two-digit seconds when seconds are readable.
11,13,15
